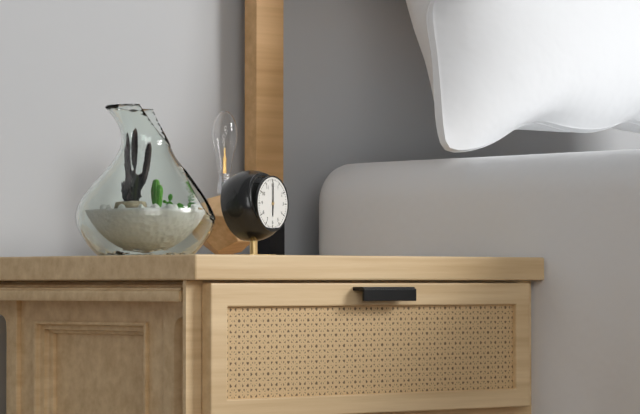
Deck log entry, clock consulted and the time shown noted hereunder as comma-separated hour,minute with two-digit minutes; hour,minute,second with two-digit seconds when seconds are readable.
6,00
